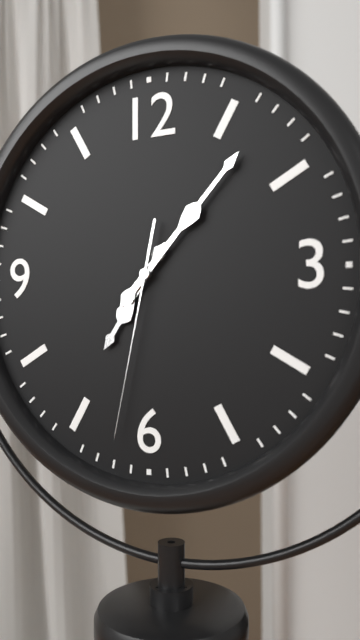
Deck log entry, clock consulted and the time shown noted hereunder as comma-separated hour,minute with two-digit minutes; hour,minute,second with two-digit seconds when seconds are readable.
7,07,32
